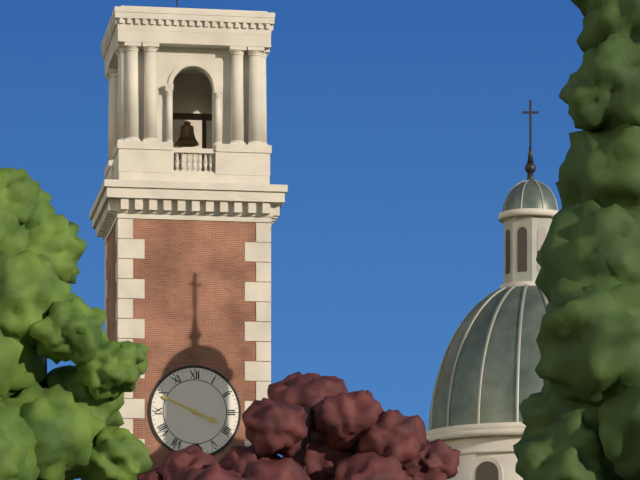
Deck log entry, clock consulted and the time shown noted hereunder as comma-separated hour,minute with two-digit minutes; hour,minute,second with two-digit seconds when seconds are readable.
3,49
